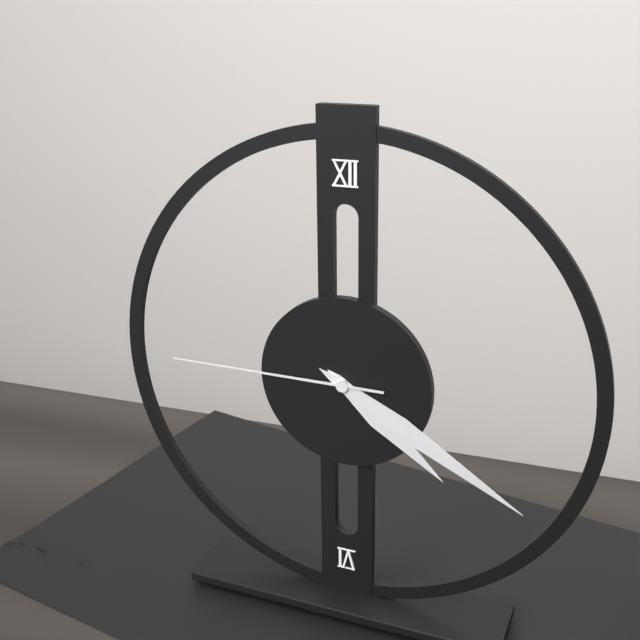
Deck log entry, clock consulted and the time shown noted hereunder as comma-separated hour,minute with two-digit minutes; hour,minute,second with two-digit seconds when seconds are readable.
4,20,45
